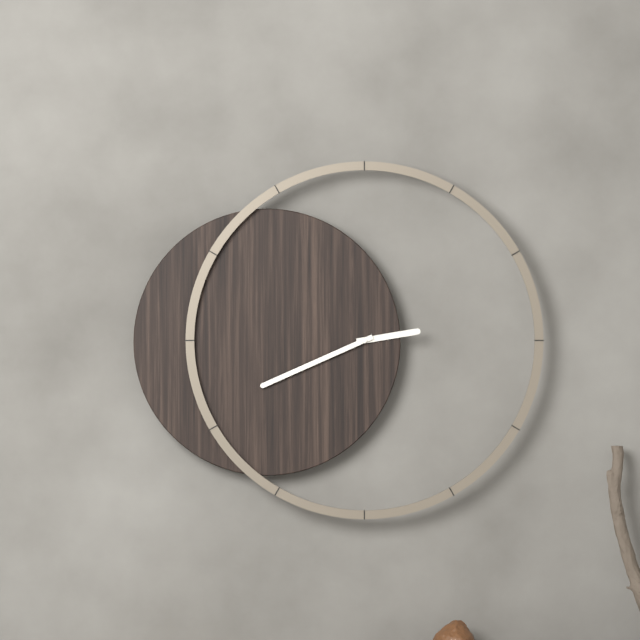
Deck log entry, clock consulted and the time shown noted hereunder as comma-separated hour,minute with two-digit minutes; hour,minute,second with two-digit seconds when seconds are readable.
2,41
